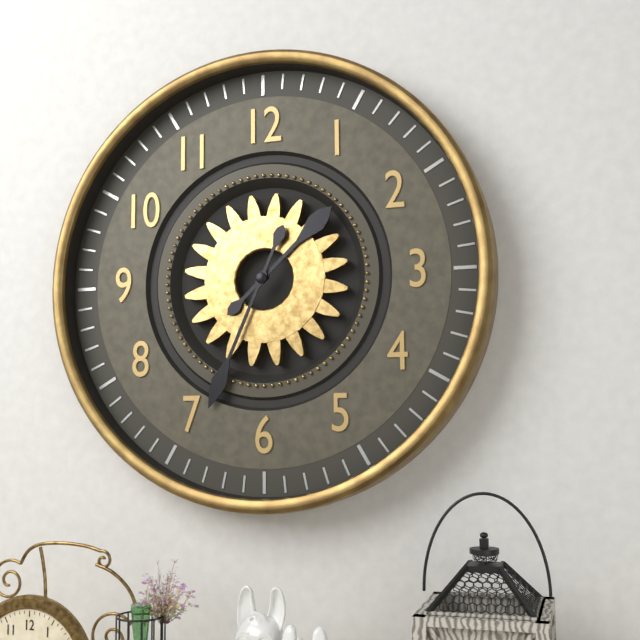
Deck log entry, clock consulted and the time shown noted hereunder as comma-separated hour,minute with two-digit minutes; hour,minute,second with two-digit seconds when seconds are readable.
1,34
